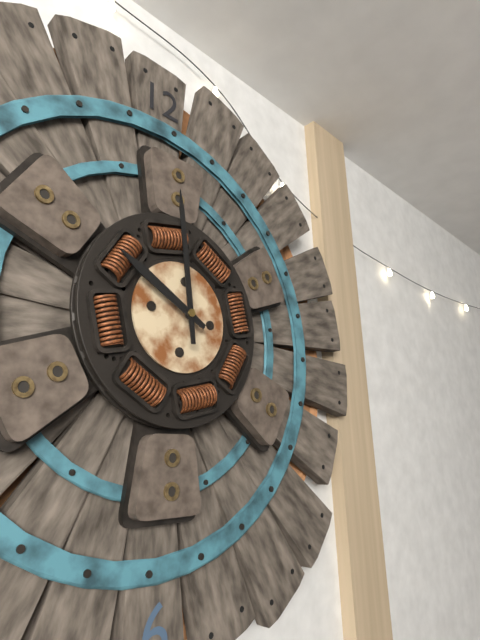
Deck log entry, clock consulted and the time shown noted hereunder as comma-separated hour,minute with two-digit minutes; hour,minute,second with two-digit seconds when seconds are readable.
9,59
